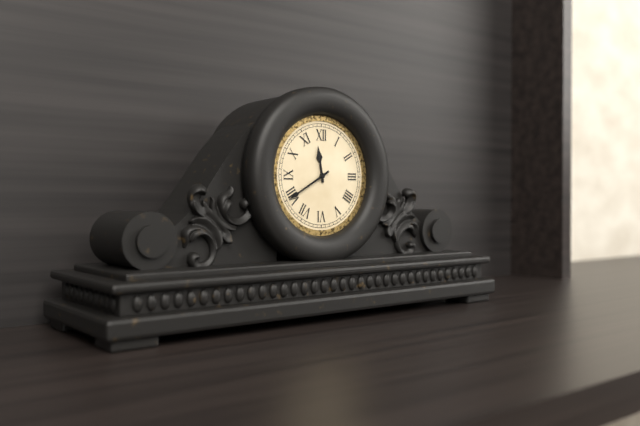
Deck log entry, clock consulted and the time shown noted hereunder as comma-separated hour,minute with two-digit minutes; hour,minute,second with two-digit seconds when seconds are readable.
11,40
